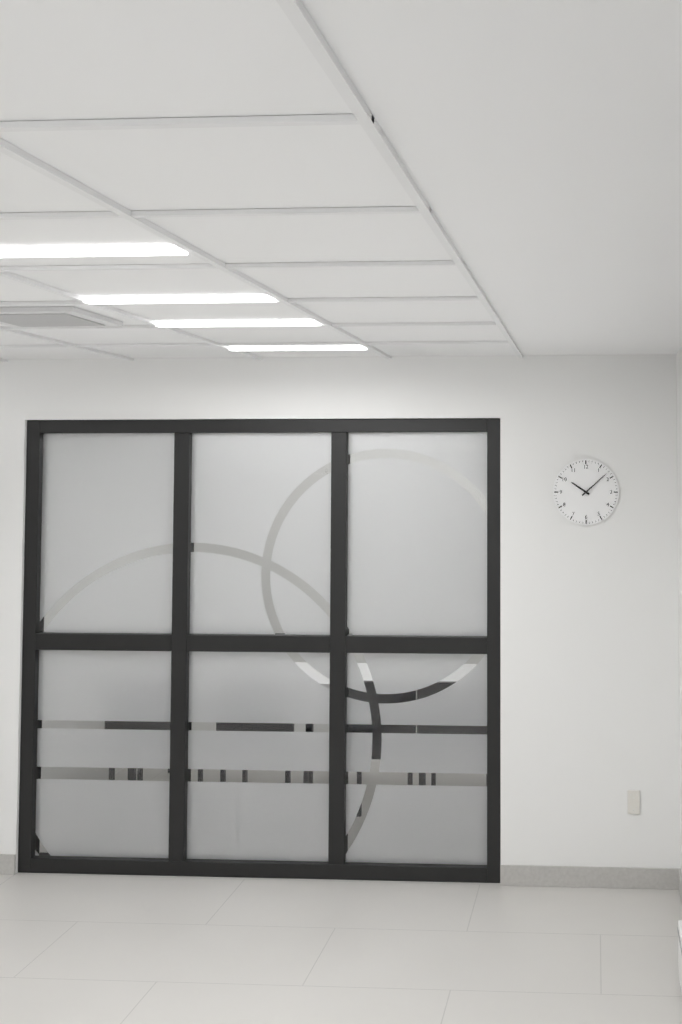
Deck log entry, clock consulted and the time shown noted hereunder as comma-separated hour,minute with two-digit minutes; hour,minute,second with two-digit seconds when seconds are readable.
10,08
